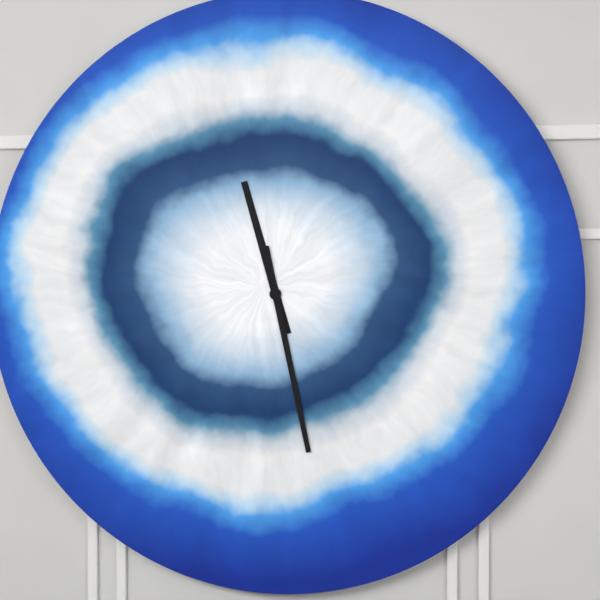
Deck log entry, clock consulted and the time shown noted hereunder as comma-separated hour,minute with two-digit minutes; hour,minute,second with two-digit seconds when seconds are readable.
11,28
